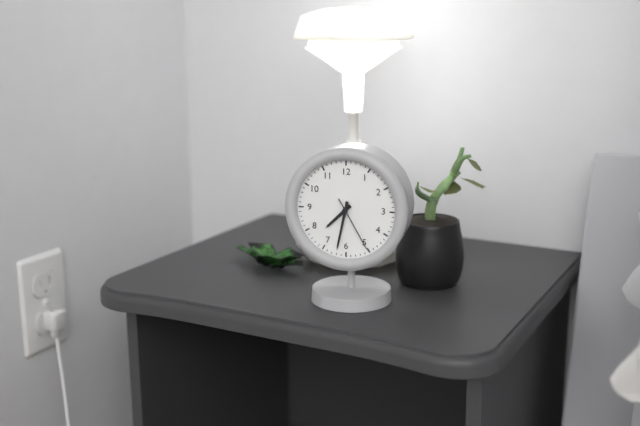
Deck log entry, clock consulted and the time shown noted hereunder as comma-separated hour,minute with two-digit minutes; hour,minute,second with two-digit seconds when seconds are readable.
7,32,25
